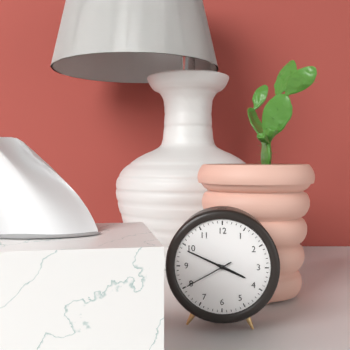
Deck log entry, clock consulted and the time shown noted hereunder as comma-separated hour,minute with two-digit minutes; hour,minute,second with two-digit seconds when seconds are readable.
3,49,40
